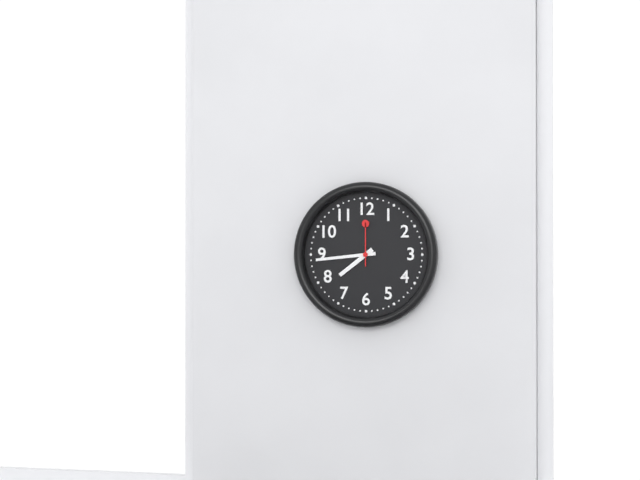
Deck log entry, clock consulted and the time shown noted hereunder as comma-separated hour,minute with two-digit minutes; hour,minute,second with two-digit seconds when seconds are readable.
7,44
